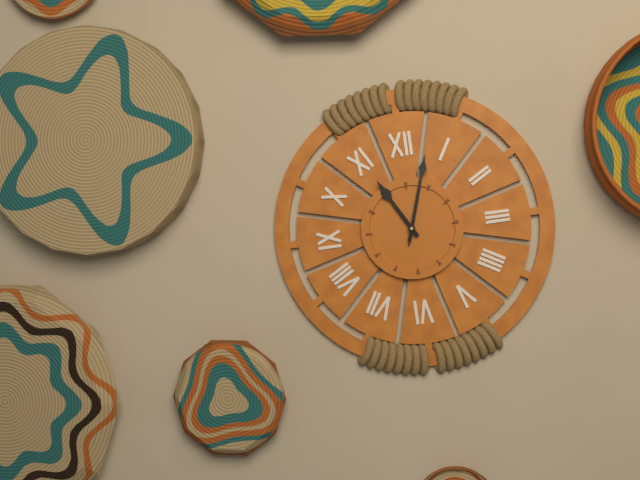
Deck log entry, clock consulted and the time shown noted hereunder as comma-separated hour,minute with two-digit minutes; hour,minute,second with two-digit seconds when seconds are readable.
11,03,03
